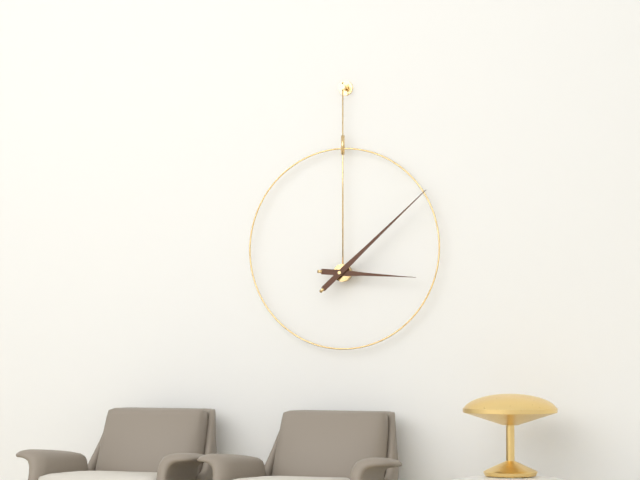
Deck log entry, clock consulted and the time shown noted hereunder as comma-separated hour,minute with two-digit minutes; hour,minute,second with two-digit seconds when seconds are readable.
3,08
